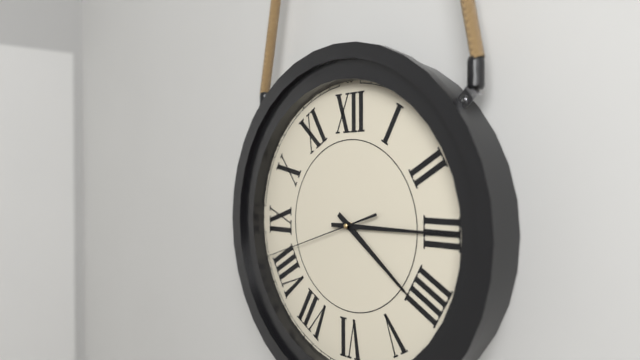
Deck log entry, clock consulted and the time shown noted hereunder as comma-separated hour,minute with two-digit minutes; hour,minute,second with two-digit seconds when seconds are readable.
4,15,42
